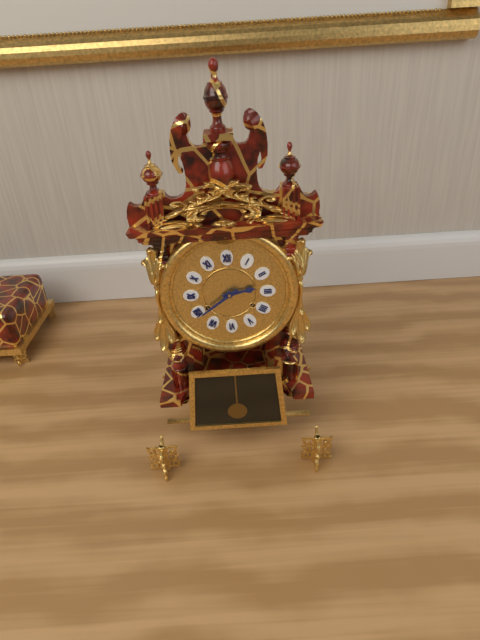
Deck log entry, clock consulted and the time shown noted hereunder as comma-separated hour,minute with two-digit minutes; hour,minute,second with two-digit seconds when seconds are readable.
2,39
